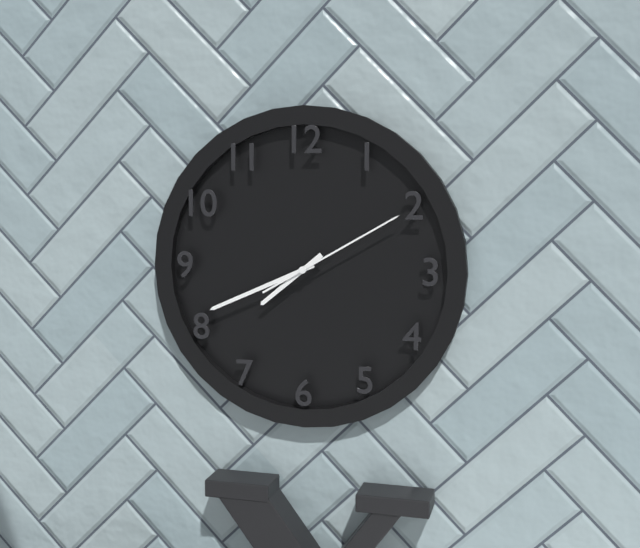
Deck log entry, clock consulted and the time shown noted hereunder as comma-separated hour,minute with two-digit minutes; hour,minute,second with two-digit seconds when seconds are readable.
7,41,10
